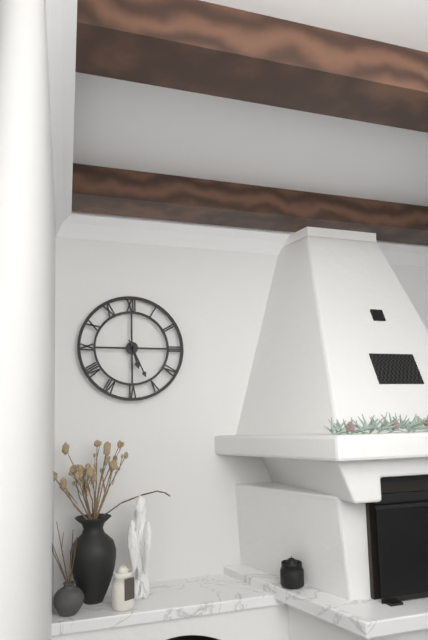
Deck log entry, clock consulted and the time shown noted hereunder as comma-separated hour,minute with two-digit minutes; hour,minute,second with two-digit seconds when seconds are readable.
5,26
